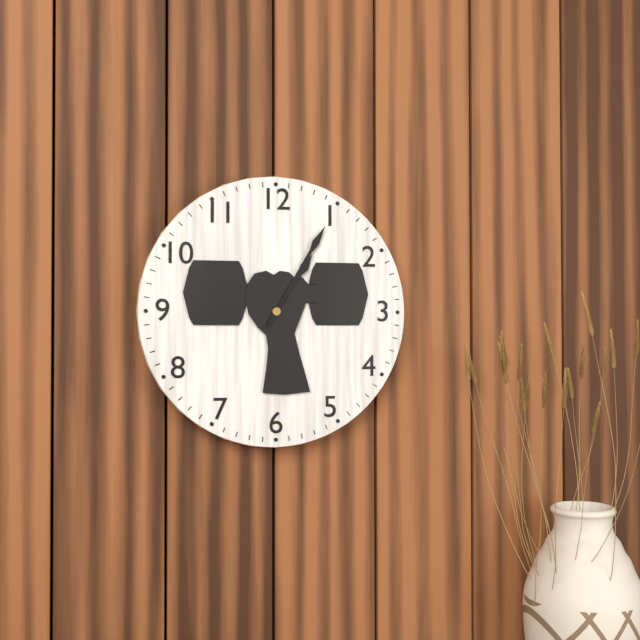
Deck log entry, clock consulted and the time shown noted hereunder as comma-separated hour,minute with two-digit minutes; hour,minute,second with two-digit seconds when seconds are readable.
1,05
